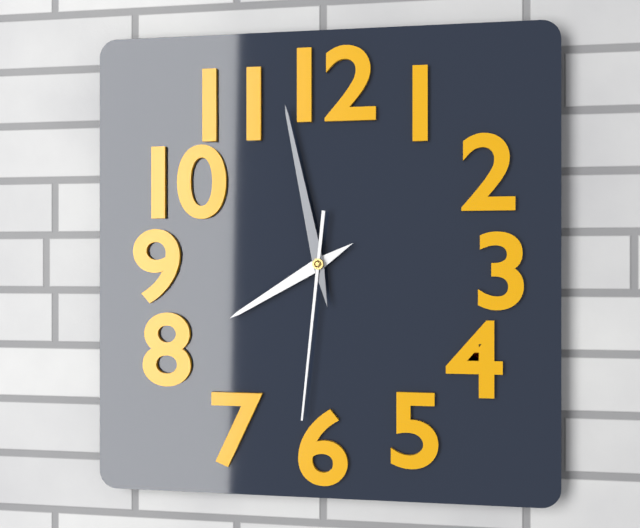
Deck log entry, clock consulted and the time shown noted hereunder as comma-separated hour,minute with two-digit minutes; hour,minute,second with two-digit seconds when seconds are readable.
7,58,31
